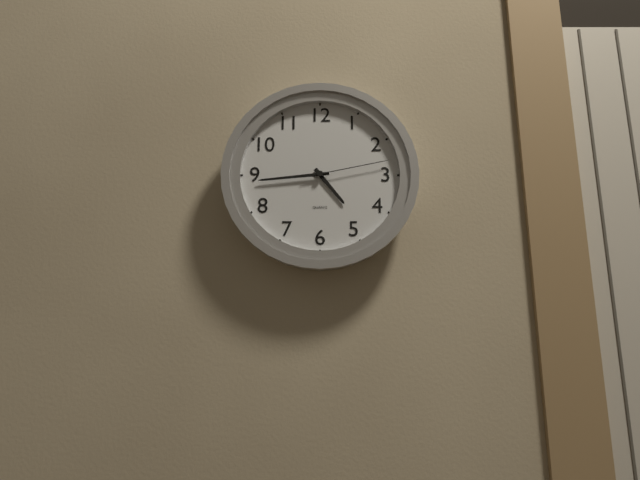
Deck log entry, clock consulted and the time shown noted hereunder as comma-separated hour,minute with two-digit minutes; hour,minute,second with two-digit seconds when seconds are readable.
4,44,13
